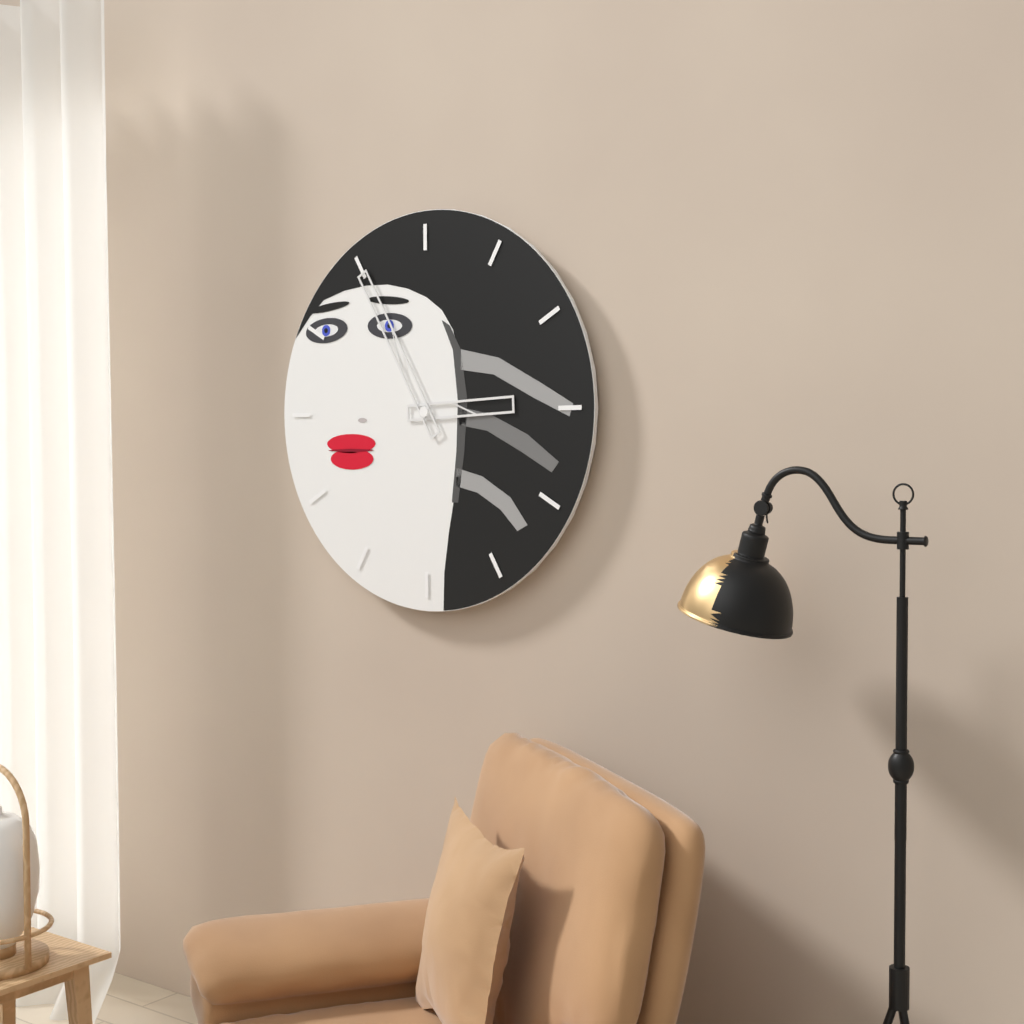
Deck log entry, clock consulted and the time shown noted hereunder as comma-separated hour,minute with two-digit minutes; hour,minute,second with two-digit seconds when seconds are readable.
2,55
